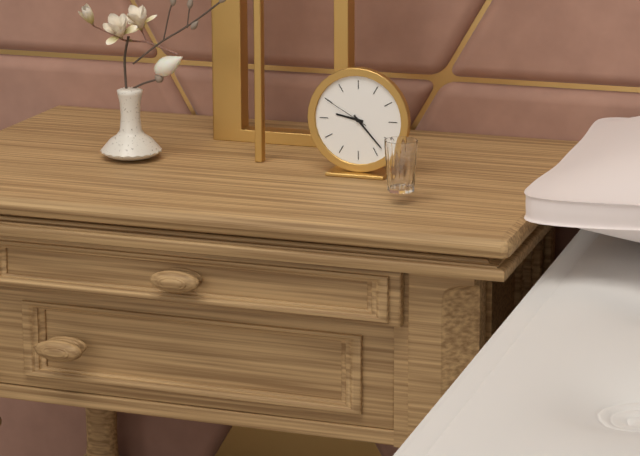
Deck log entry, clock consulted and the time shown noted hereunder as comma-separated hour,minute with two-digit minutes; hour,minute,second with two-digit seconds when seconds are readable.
9,23
